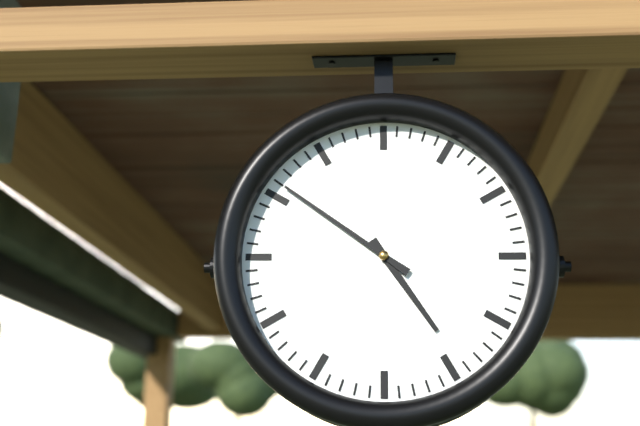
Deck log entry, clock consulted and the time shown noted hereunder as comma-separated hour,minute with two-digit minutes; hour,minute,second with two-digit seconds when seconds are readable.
4,51
